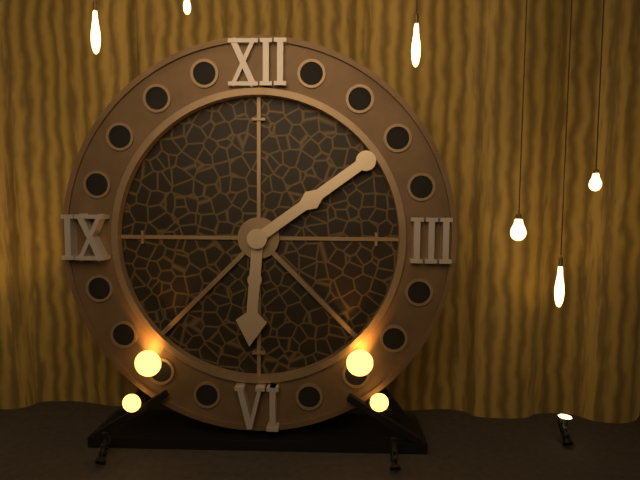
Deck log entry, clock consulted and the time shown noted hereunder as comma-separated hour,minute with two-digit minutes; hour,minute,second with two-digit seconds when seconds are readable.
6,09
